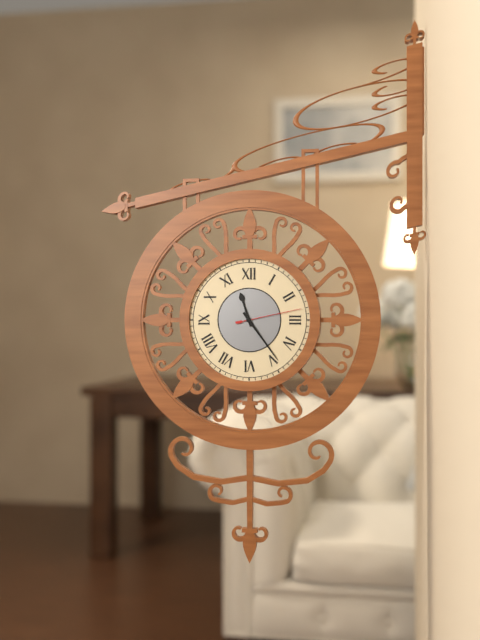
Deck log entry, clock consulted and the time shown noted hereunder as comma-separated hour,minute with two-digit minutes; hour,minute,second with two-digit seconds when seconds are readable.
11,24,13
